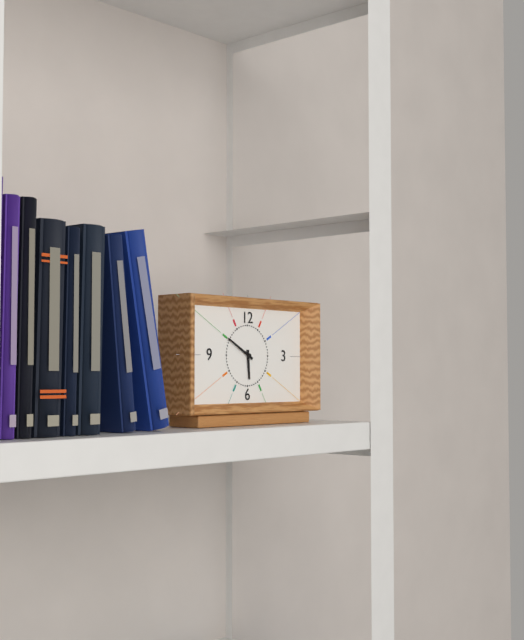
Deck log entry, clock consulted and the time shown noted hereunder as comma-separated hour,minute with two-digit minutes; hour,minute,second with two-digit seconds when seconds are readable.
5,50
